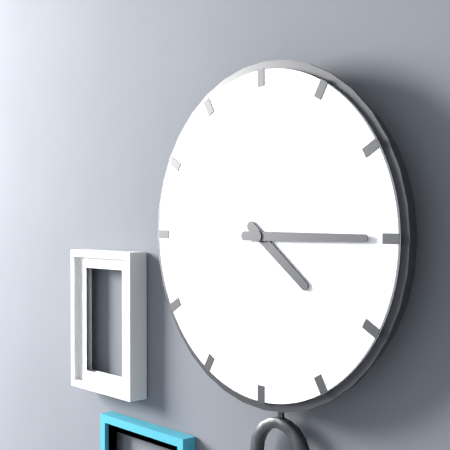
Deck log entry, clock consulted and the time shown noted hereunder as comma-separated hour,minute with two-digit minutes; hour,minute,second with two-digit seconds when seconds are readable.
4,15
